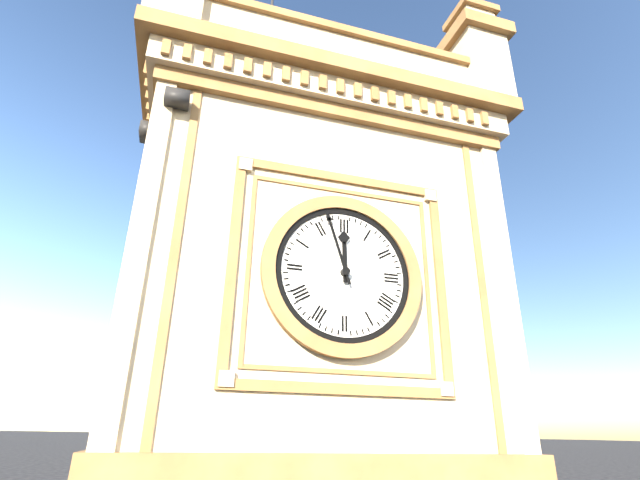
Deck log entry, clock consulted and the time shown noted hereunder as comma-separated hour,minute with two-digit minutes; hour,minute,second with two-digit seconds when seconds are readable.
11,57
